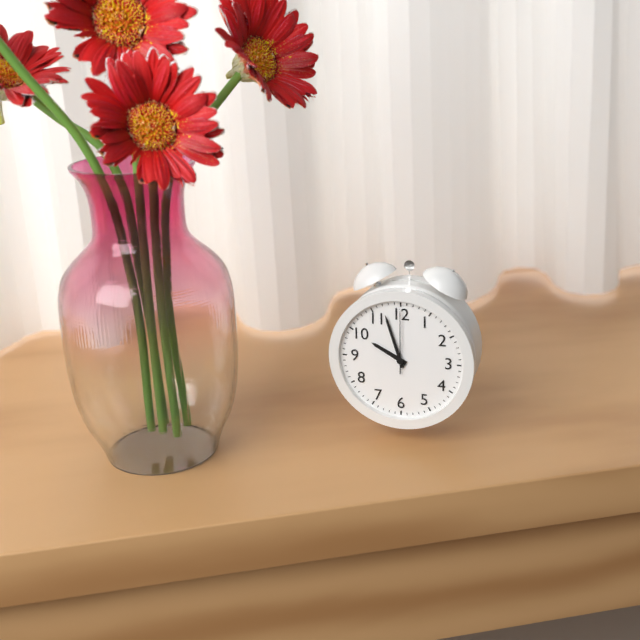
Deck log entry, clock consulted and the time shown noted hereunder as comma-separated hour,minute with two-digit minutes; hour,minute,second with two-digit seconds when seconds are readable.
9,57,00
